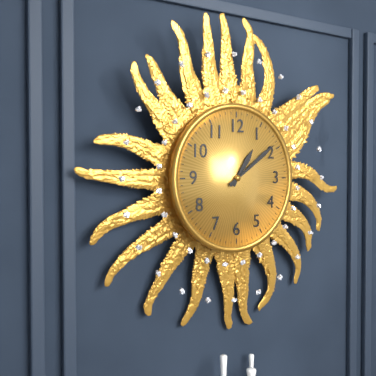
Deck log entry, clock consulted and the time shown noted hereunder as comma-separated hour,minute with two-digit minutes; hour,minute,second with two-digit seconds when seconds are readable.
1,09
